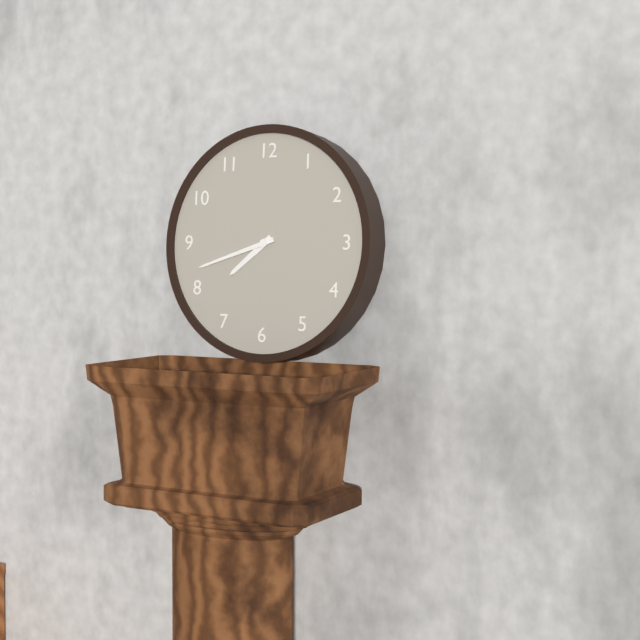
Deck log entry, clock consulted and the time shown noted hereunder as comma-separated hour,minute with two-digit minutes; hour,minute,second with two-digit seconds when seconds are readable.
7,42
